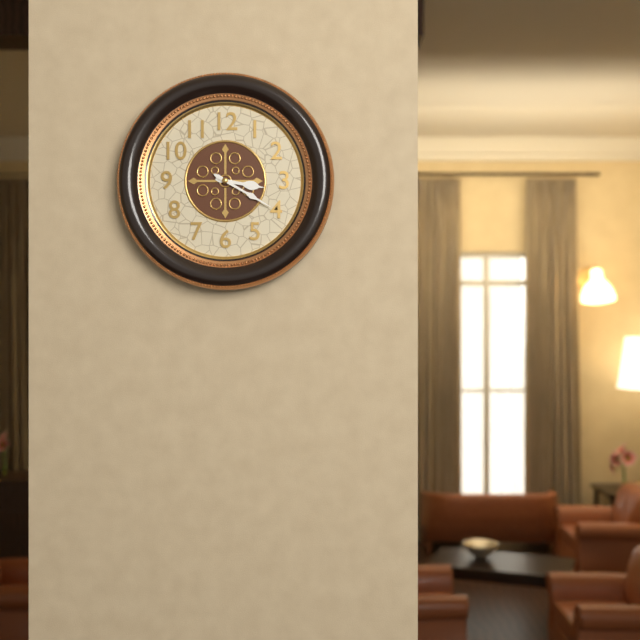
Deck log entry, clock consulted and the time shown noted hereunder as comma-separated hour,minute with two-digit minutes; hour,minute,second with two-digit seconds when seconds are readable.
3,20
